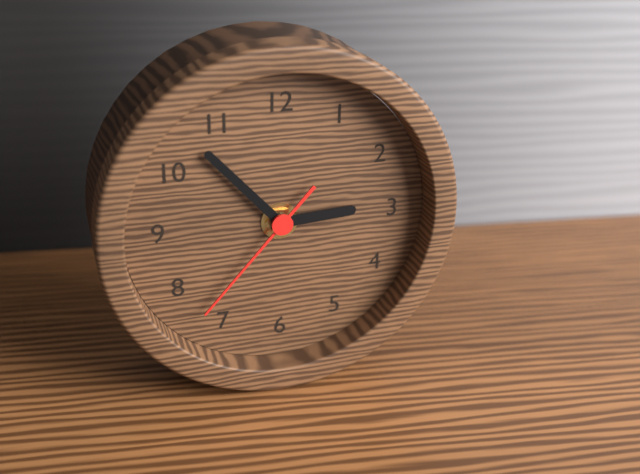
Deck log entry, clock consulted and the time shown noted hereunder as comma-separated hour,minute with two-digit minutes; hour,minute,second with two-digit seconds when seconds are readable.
2,53,37
